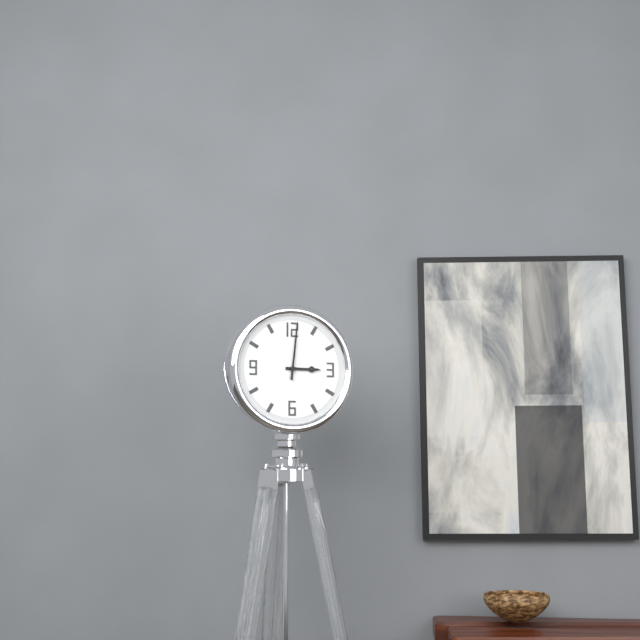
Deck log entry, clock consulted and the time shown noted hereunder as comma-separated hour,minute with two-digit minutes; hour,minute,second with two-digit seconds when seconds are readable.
3,01
